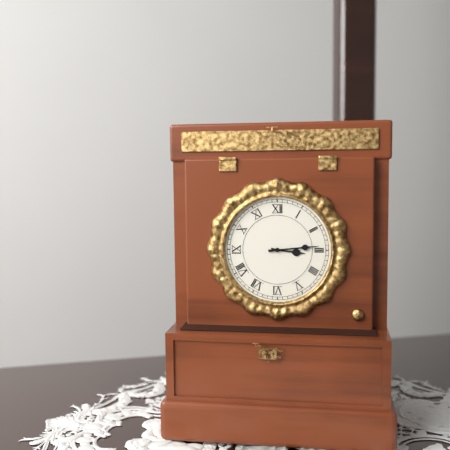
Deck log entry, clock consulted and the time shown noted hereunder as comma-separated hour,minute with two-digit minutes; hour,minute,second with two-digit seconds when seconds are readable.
3,14
